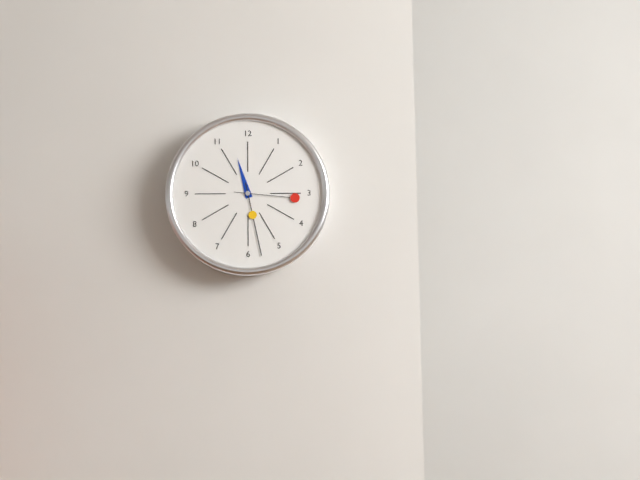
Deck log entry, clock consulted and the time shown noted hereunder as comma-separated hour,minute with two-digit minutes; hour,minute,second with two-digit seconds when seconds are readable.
11,28,16
